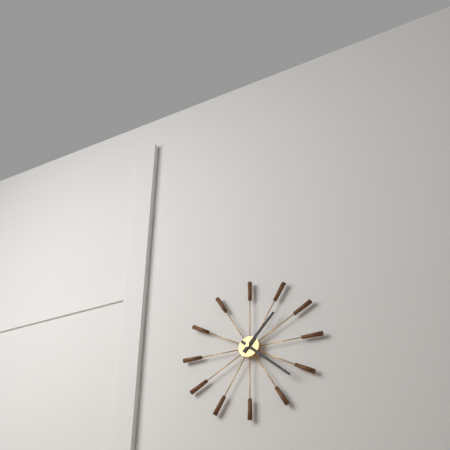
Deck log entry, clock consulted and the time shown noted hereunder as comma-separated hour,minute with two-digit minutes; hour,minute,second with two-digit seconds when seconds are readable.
1,22
